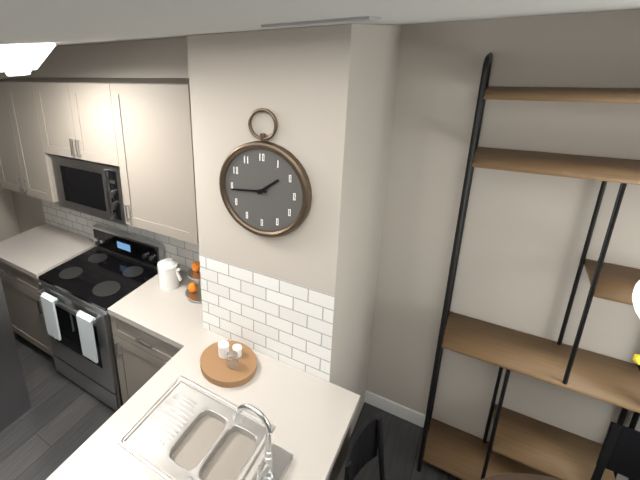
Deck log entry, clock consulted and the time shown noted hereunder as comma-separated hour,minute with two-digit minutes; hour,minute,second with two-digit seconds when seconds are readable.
1,44
